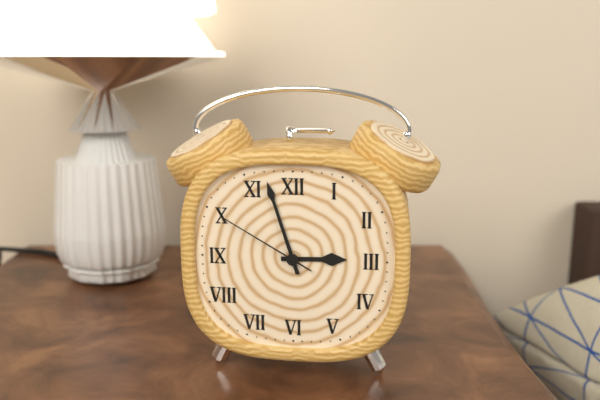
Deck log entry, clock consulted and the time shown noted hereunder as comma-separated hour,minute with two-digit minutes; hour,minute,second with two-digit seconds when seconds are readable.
2,57,50
